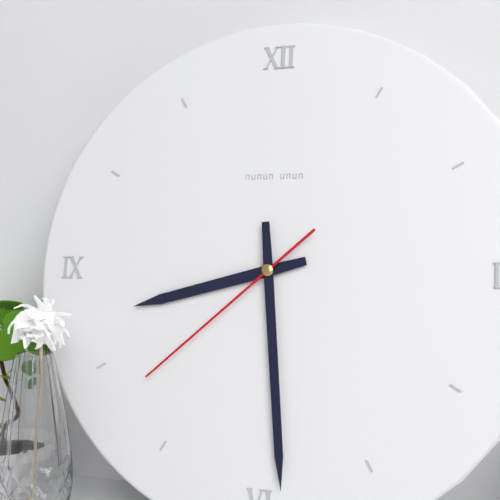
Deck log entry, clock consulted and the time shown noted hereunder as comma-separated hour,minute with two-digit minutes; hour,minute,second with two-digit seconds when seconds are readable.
8,29,38
